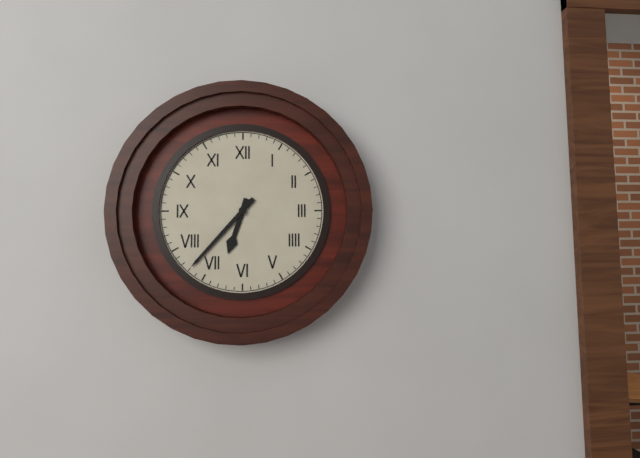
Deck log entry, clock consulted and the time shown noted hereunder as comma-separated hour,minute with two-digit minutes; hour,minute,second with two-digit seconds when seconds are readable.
6,37
